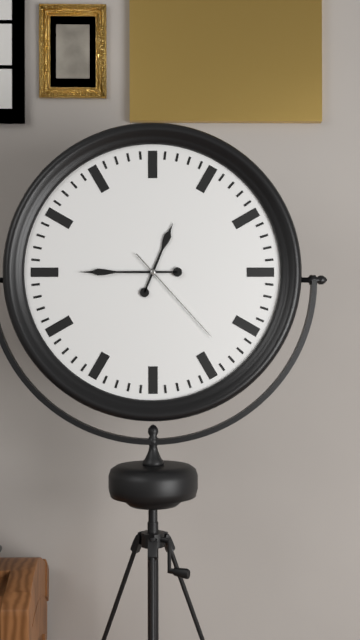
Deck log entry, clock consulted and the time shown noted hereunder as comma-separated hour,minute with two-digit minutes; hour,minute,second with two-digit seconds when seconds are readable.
12,45,23
